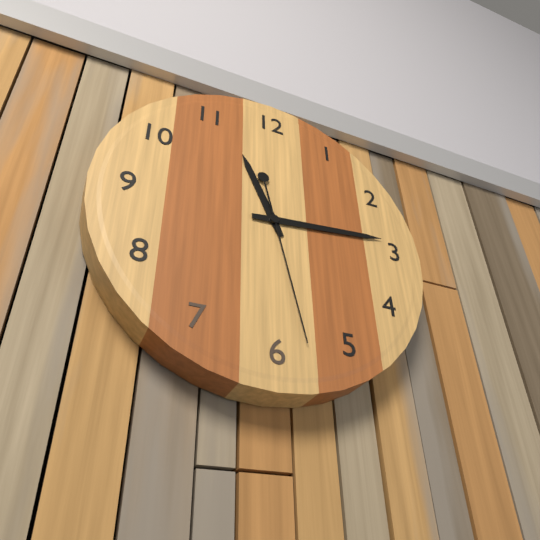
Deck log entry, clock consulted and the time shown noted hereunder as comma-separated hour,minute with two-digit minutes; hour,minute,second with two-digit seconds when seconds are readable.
11,14,28
